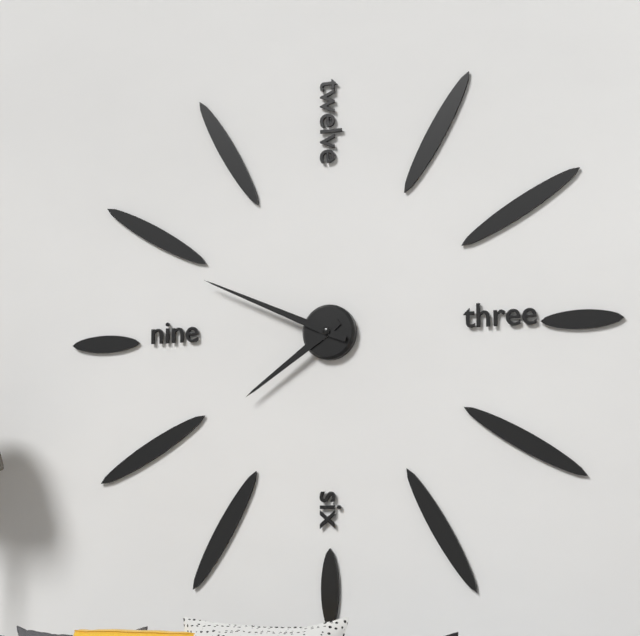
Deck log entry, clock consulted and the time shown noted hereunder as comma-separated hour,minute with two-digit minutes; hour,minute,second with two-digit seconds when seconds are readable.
7,49
